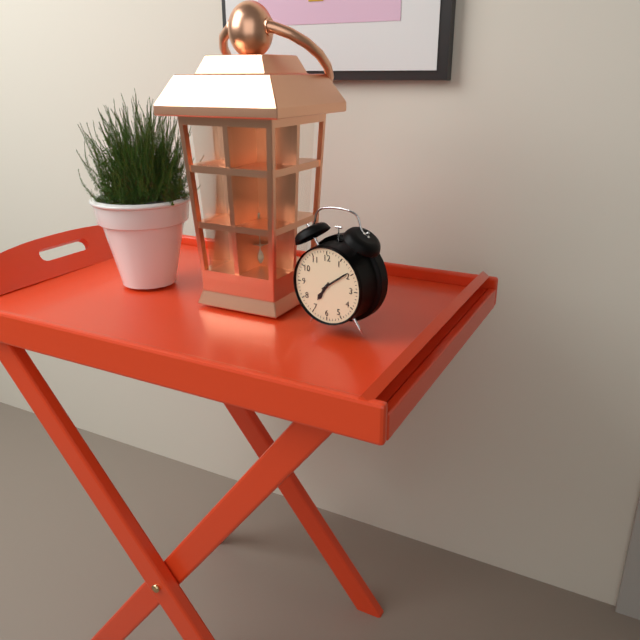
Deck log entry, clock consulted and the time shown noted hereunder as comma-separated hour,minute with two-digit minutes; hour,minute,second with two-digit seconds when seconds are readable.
7,09
